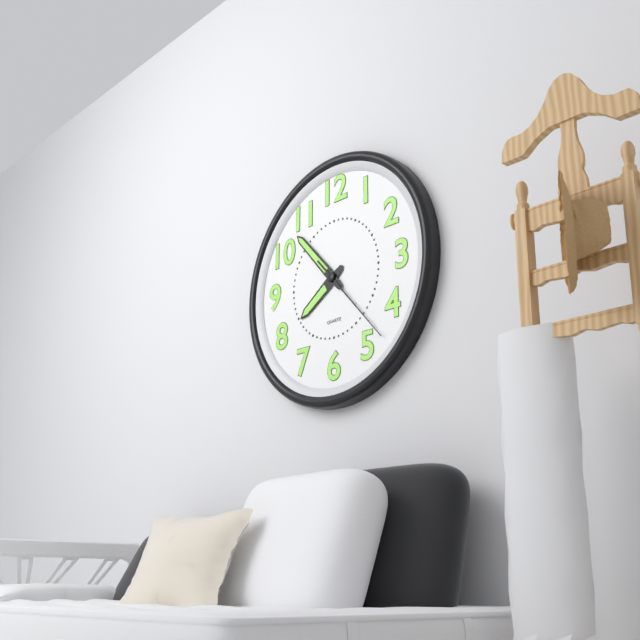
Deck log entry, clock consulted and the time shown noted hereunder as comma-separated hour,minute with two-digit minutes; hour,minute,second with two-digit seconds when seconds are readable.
7,53,23
